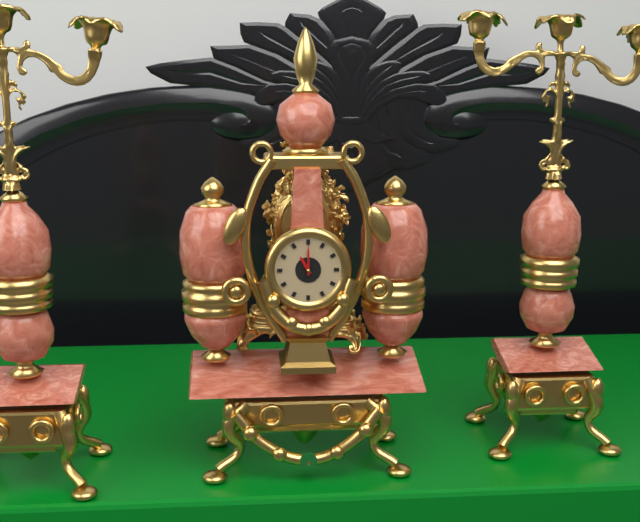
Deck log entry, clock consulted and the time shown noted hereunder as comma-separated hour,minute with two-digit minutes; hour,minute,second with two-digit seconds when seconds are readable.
11,00
